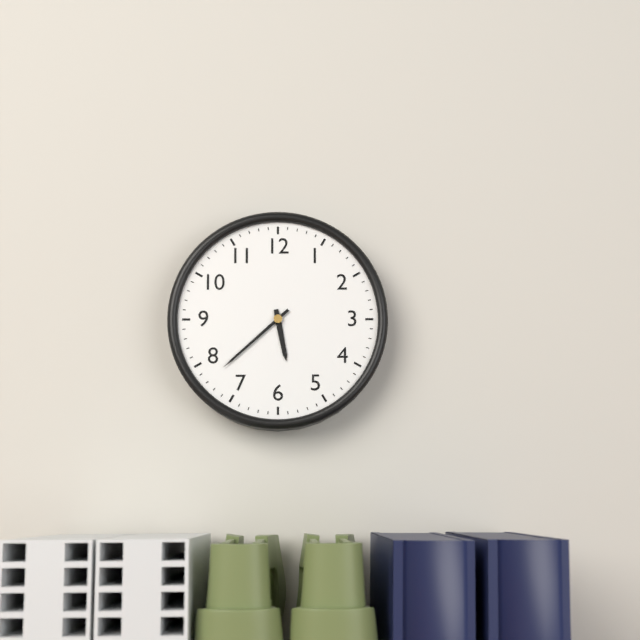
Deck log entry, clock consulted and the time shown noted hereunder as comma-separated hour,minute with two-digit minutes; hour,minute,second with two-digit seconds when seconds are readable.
5,38
